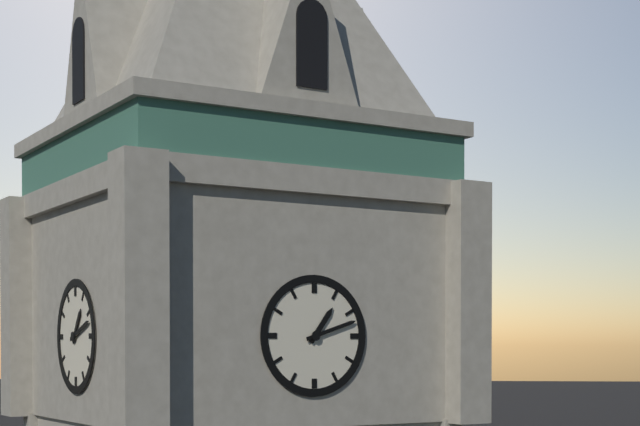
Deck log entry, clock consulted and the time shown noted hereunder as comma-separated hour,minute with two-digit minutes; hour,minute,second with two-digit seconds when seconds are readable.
1,12
